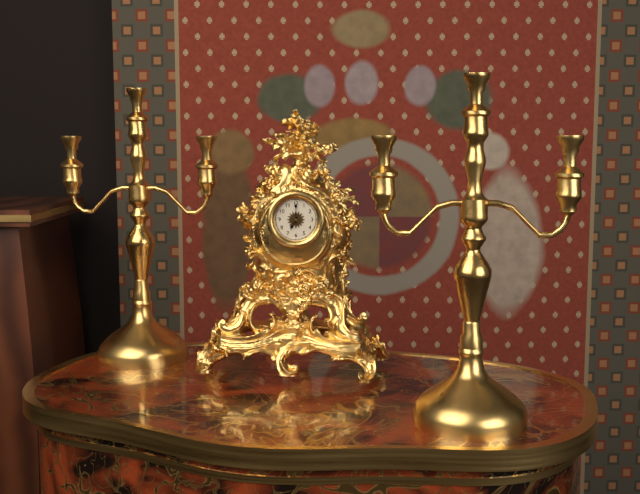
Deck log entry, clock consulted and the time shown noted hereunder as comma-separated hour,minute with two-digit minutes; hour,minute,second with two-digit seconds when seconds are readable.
7,00
